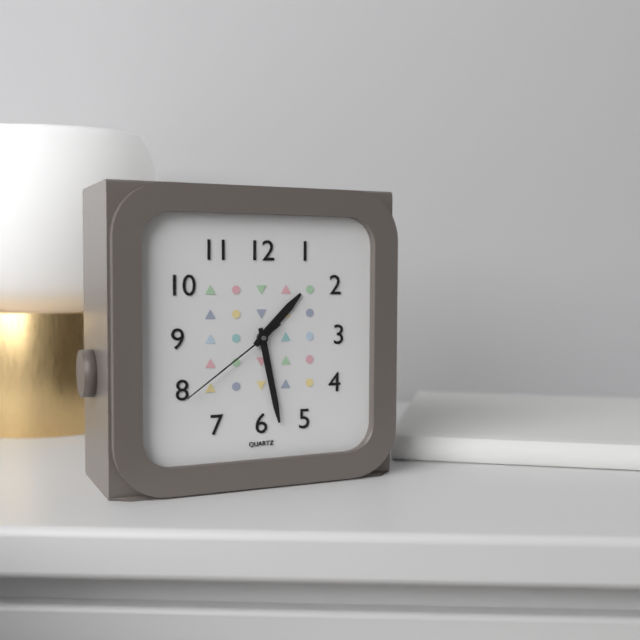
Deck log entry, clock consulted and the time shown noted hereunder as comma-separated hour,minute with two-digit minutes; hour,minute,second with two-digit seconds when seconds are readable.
1,28,39
